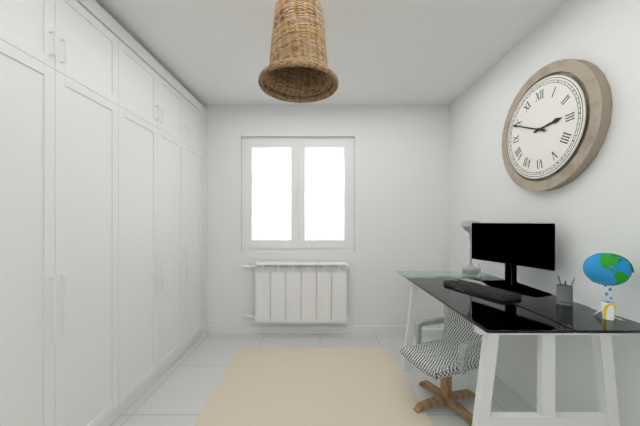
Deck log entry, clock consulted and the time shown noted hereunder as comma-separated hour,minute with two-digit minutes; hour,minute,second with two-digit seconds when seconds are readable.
2,49
